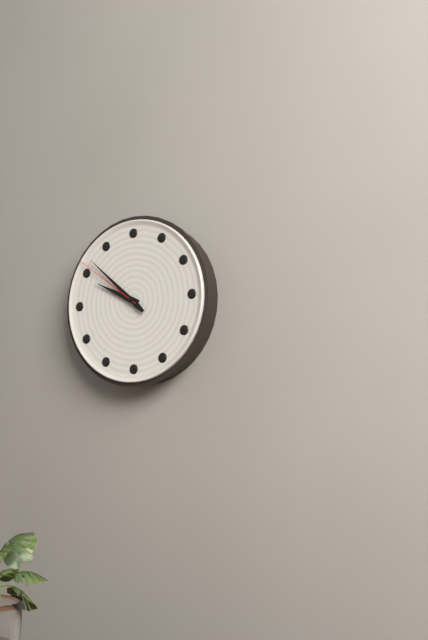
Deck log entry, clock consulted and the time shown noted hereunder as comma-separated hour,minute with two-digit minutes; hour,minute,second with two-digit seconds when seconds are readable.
9,52,51
